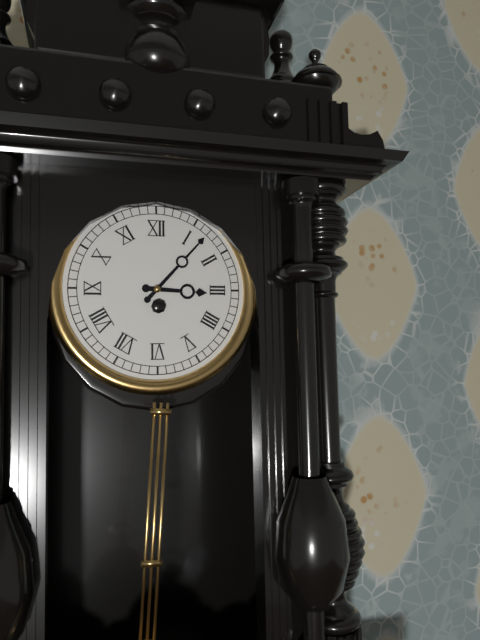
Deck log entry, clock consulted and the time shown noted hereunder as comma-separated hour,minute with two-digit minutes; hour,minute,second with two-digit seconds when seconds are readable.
3,07
